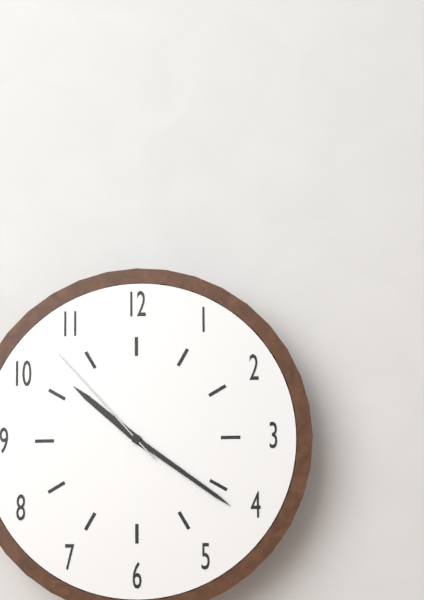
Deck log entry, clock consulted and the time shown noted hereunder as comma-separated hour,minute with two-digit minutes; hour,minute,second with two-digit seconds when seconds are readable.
10,21,53
